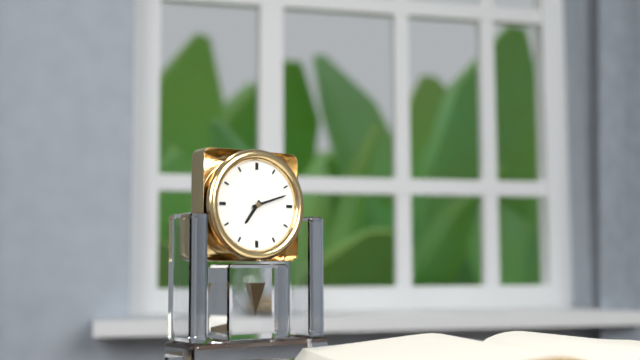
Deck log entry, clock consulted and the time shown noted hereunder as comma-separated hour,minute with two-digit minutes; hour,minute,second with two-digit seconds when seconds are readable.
7,12
